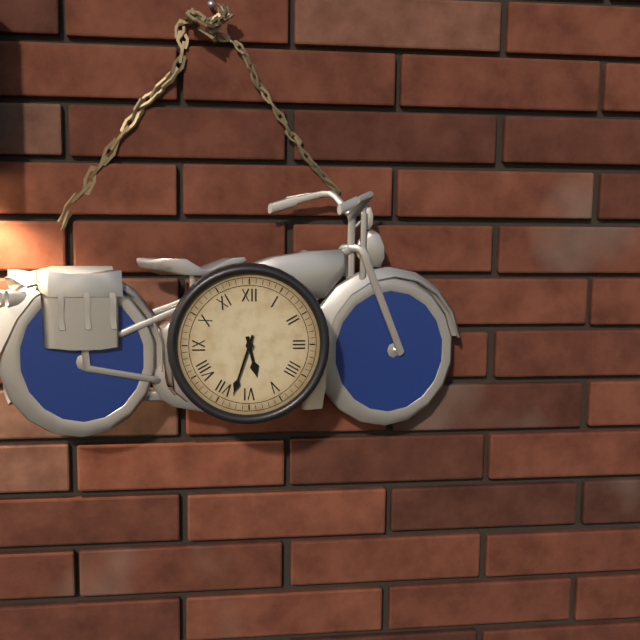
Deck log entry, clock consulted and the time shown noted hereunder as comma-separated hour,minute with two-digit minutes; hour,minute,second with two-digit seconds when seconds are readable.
5,33
